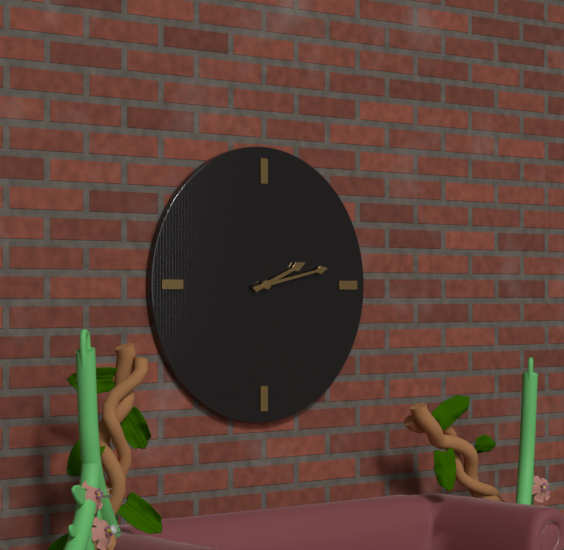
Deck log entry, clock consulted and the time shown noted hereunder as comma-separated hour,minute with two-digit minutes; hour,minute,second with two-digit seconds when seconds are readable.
2,13
